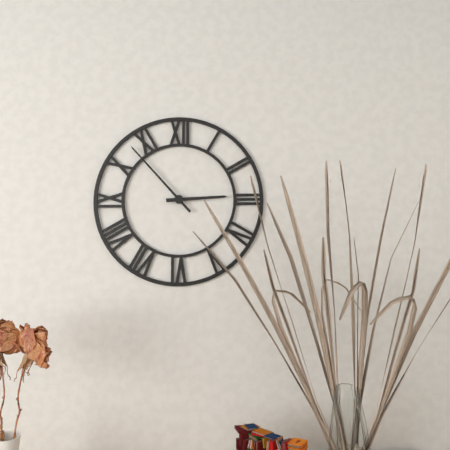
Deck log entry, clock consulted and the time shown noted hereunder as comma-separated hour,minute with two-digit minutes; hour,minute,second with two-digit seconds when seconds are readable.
2,53
